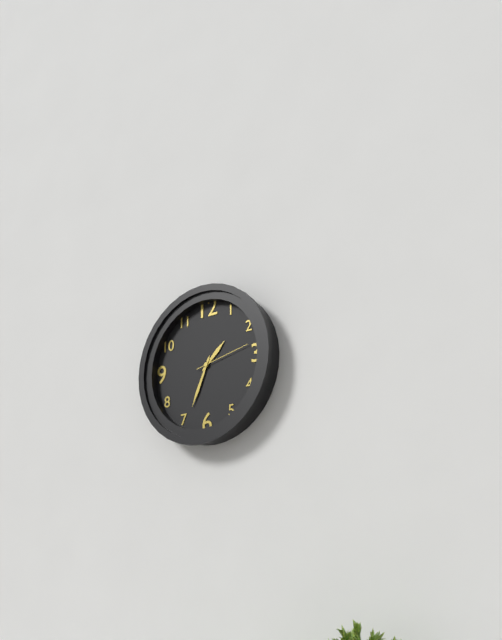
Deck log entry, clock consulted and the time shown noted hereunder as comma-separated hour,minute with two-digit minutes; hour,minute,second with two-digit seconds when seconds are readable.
1,34,13
